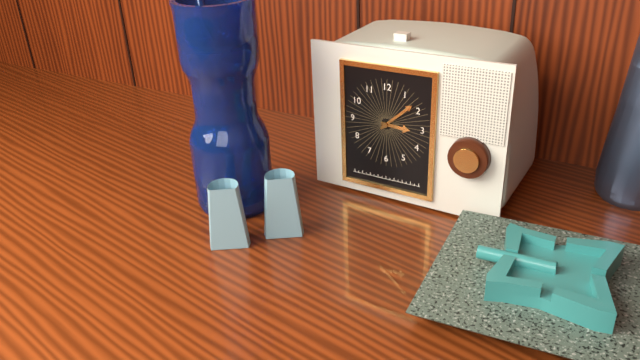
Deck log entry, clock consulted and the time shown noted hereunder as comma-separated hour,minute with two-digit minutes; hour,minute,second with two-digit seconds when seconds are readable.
3,08
